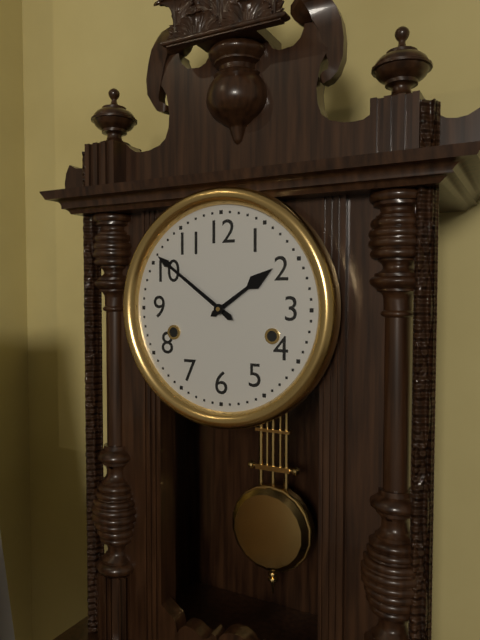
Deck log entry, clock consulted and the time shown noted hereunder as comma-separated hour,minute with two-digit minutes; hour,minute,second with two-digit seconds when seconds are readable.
1,51
